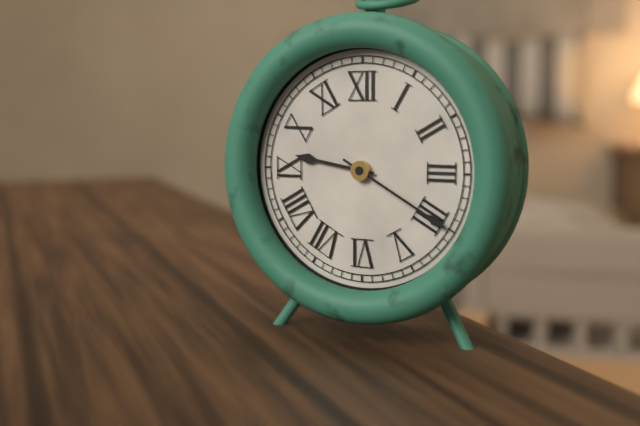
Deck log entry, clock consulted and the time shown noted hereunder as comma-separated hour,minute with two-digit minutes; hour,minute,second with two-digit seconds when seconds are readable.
9,20
